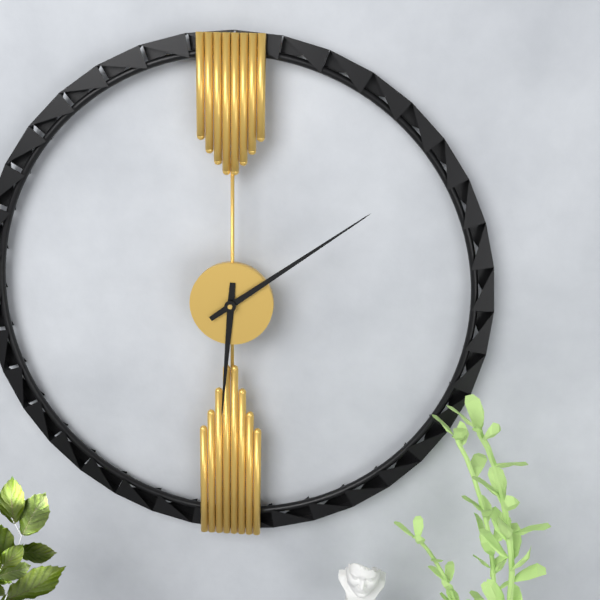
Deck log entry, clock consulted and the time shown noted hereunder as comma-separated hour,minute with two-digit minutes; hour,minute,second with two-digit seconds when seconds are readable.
6,09
